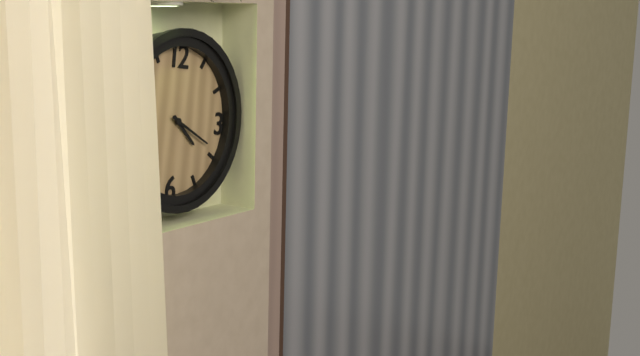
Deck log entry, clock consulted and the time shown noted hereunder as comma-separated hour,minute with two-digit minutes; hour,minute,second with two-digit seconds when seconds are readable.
4,19
